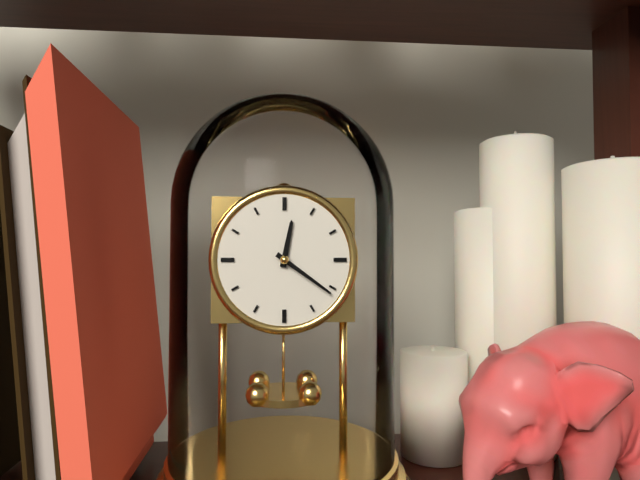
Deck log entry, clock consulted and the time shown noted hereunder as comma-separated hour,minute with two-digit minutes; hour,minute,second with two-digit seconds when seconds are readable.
12,21
